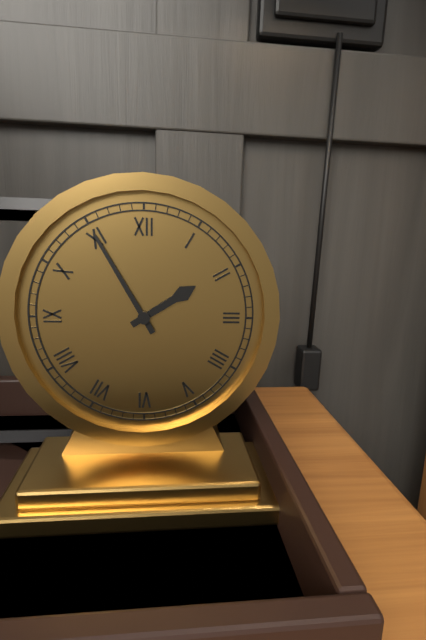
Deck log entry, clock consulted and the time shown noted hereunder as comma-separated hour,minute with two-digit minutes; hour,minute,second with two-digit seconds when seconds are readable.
1,55
